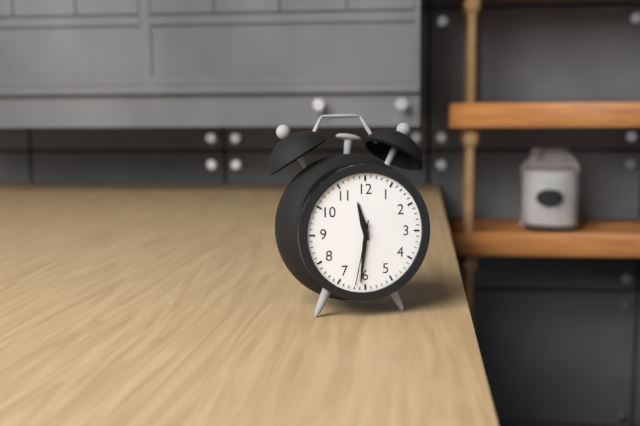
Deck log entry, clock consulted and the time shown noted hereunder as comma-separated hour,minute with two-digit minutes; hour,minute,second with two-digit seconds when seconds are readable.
11,31,32
